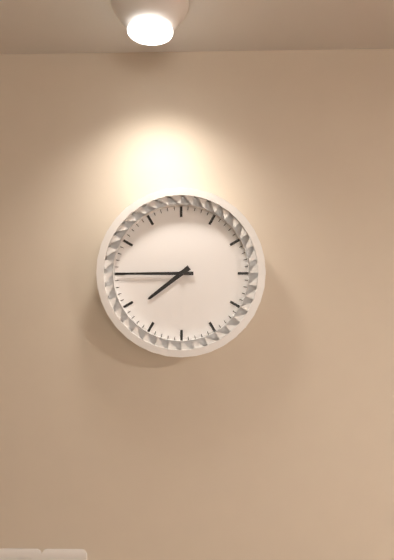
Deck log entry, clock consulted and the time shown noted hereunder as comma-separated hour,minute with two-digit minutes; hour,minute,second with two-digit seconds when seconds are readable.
7,45
